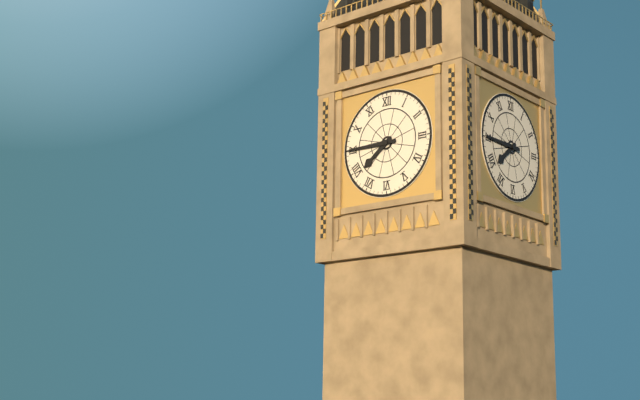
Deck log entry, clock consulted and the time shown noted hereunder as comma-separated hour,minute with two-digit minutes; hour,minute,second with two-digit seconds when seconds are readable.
7,45
